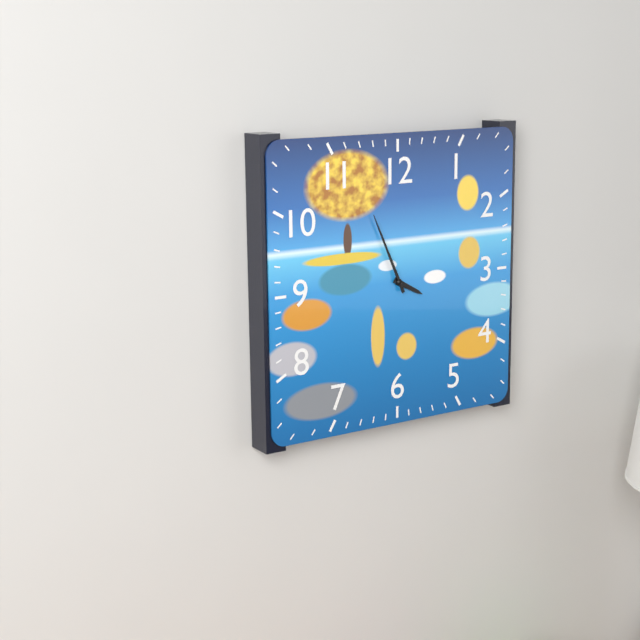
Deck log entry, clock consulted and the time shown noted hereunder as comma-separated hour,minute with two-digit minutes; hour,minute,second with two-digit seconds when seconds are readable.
3,56
